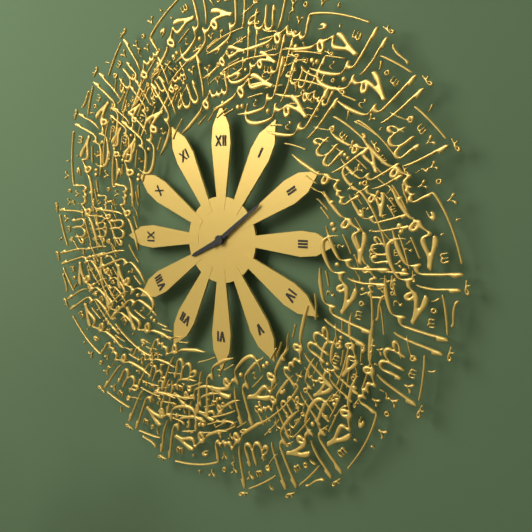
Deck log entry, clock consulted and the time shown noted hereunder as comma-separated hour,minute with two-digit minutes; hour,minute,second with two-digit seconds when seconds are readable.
8,09
